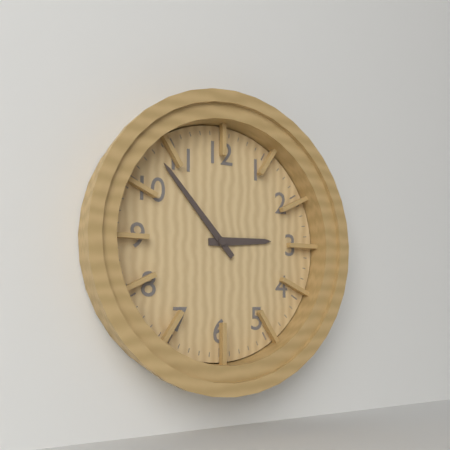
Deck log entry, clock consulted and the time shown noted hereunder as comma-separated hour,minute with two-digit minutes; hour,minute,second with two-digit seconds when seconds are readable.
2,53
